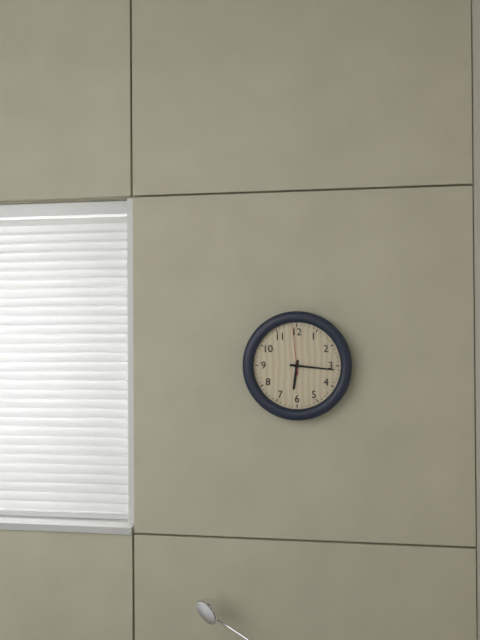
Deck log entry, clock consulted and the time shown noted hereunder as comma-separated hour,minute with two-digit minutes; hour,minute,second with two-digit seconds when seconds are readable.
6,16,59
